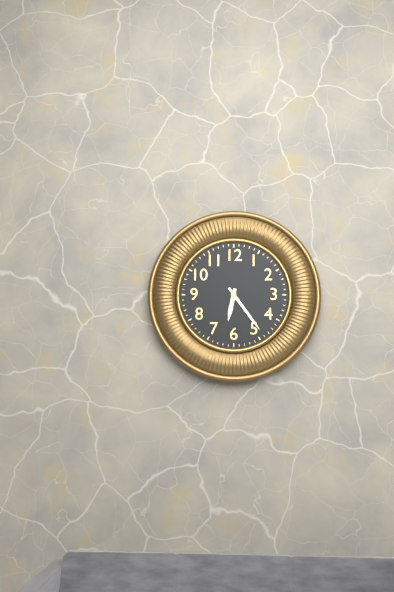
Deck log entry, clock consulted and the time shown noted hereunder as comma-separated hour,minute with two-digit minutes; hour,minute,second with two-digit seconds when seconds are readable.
6,24
